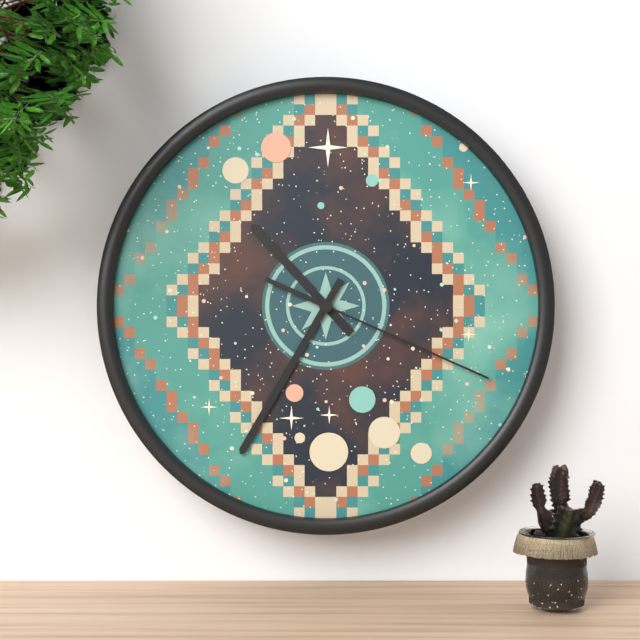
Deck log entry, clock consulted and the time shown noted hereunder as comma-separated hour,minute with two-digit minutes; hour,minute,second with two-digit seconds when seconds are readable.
10,35,19
